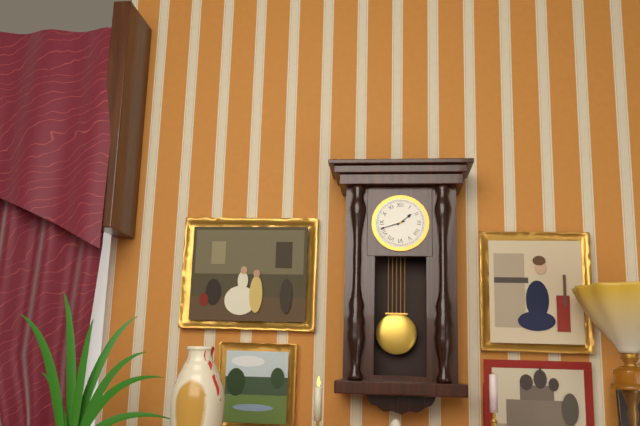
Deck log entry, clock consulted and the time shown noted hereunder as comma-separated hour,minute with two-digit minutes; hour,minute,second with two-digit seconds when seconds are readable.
1,42
